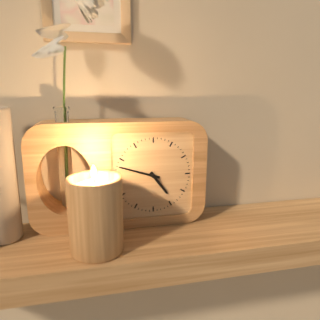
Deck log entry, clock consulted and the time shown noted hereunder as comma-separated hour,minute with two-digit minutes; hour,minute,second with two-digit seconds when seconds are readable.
4,48
